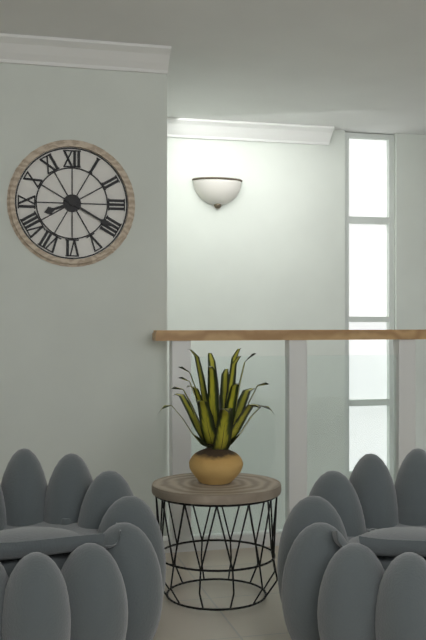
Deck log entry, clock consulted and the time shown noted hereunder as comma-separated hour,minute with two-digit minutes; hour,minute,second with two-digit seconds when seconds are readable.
8,20
